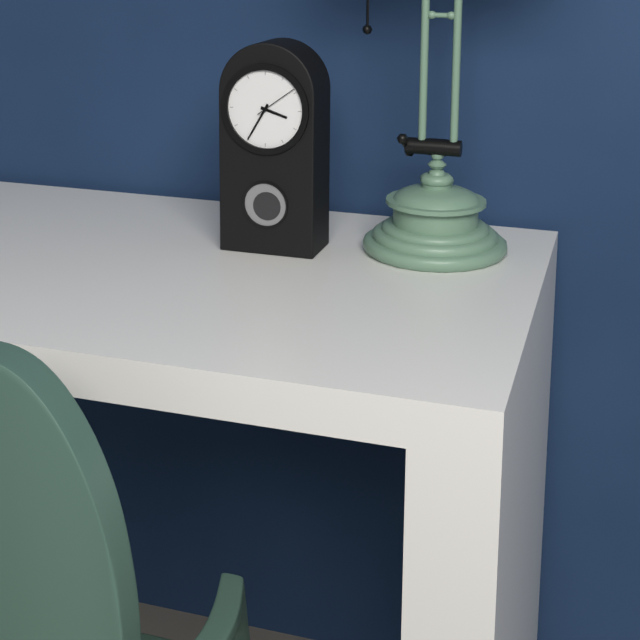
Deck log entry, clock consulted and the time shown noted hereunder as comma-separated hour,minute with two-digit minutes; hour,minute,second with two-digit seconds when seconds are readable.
3,35
